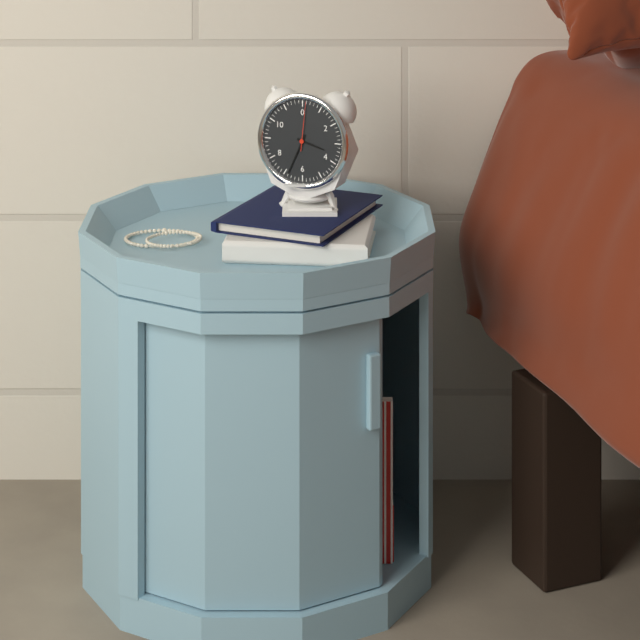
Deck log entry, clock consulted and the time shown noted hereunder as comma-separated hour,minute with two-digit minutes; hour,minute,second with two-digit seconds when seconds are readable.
3,34
